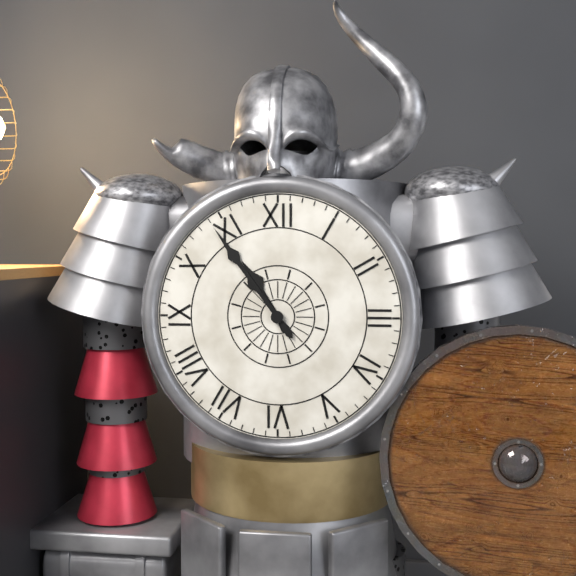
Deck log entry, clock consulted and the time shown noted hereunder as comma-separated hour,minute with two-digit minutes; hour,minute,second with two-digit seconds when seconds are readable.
10,54
